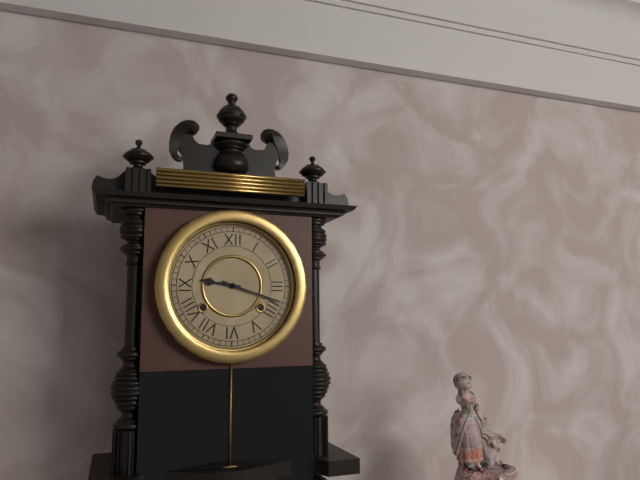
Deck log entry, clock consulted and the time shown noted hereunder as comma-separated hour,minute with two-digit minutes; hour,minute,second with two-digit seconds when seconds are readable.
9,18
